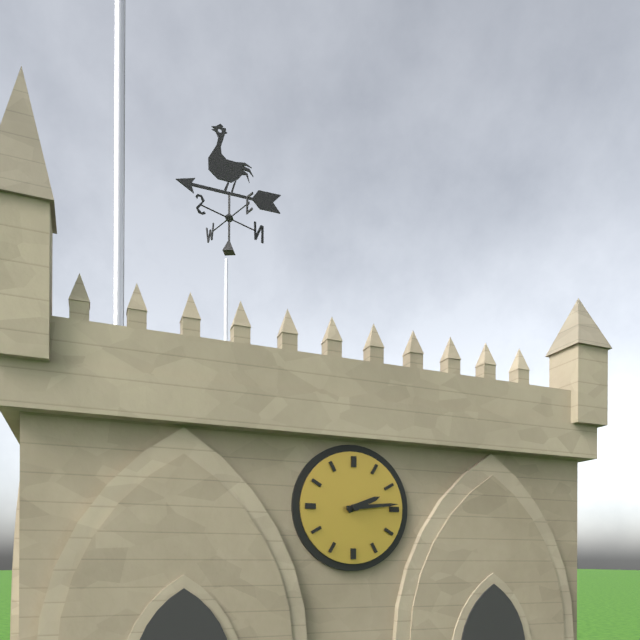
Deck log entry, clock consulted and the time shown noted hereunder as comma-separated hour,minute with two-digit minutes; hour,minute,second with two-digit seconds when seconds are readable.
2,14
